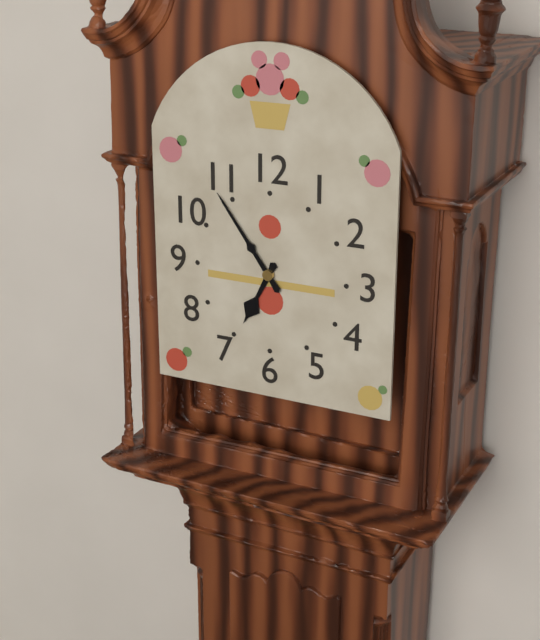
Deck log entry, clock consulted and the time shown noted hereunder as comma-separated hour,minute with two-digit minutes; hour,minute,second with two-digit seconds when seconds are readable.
6,54
